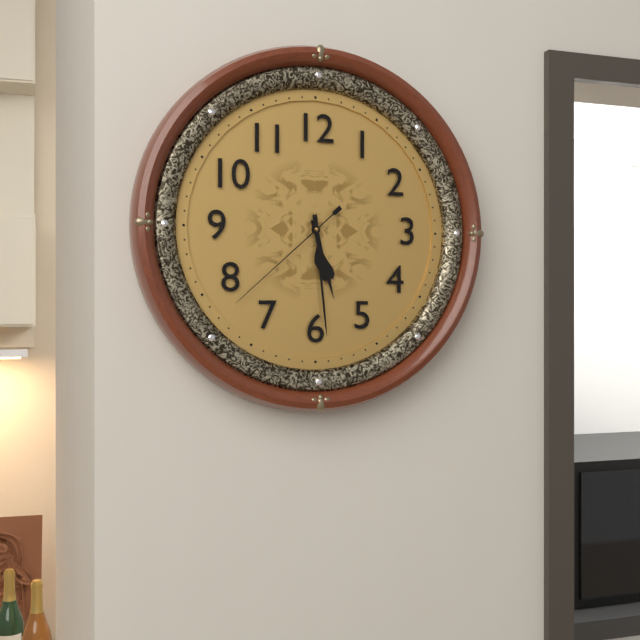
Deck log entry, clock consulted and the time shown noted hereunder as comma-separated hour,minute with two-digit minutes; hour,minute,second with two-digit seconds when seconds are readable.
5,29,38
